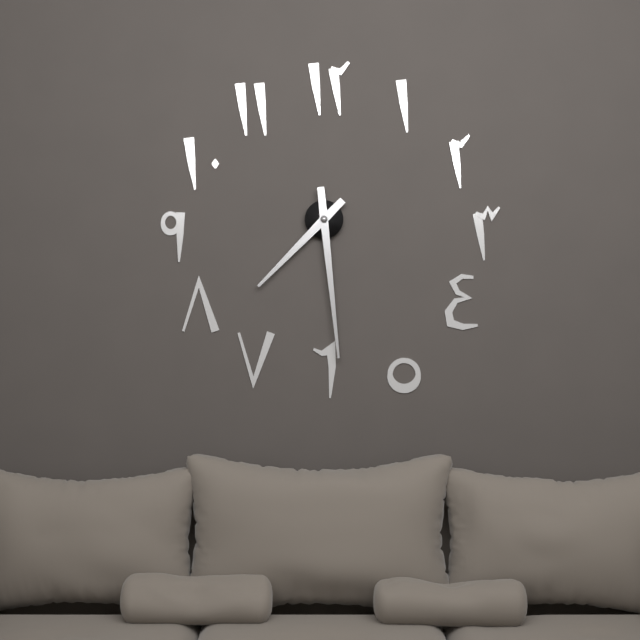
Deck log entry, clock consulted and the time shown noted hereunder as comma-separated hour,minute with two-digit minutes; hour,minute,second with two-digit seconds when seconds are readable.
7,29
